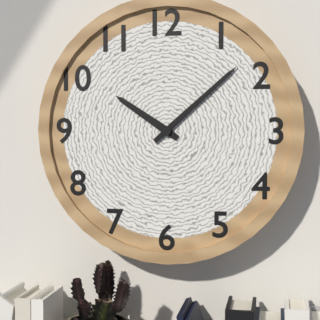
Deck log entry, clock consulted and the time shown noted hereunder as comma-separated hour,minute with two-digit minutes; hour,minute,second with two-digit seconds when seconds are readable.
10,08
